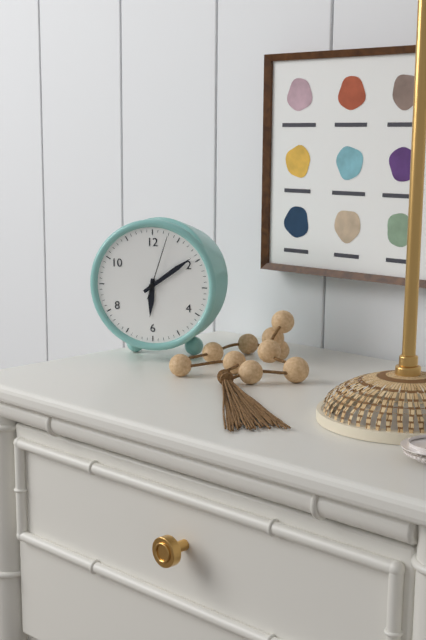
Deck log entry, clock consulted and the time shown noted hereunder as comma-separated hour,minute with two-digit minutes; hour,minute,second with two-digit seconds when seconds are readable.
6,09,03
